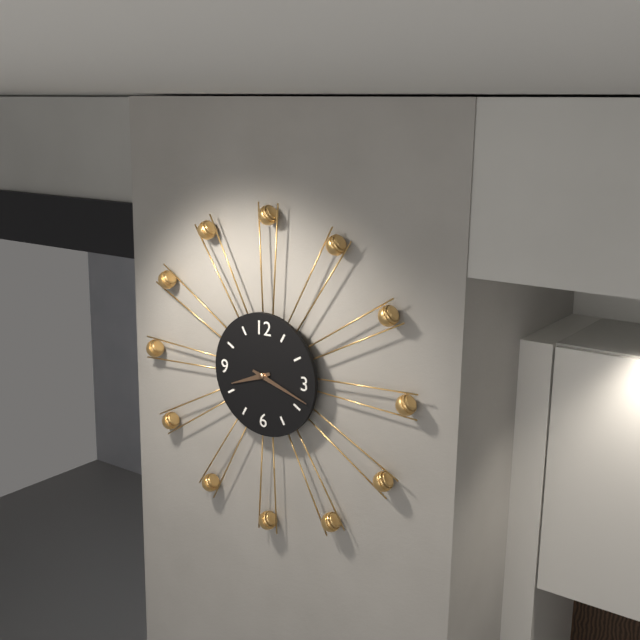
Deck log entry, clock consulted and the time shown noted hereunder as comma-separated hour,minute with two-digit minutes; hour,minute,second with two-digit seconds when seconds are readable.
8,18
